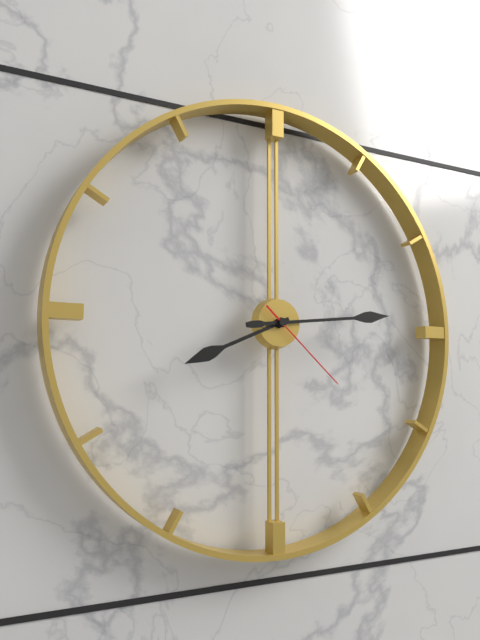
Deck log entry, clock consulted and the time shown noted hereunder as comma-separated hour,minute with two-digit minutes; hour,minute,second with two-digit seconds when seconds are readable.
8,14,22
